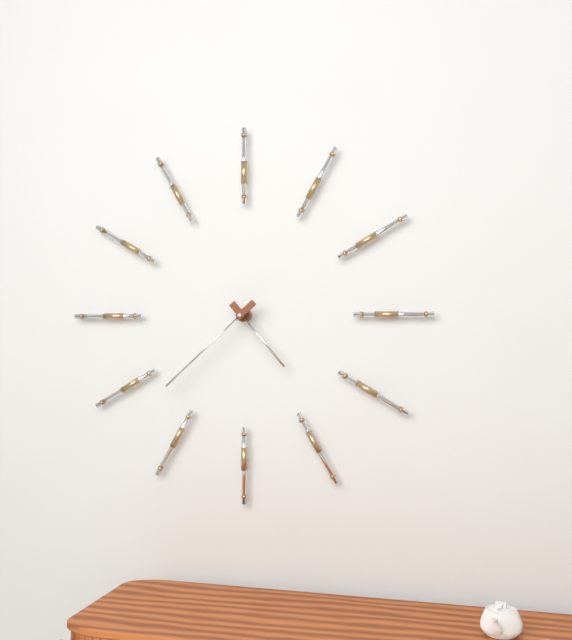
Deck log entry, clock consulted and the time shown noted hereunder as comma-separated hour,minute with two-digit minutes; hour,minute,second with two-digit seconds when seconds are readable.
4,38
